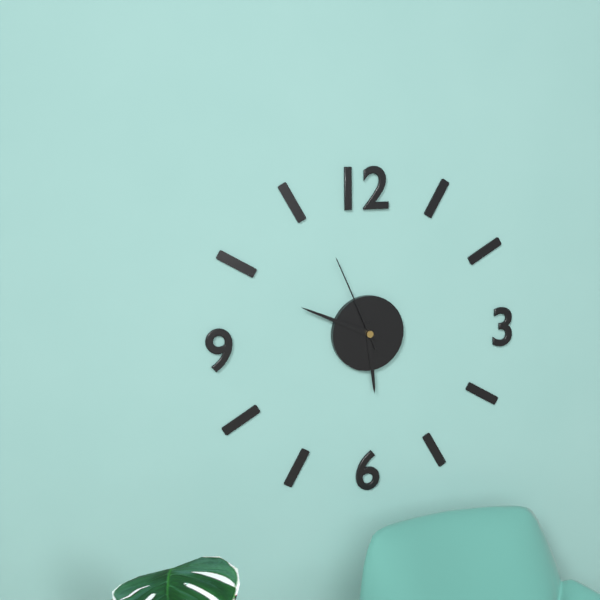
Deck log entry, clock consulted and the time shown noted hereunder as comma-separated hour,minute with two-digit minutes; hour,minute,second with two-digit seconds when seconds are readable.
5,49,56
